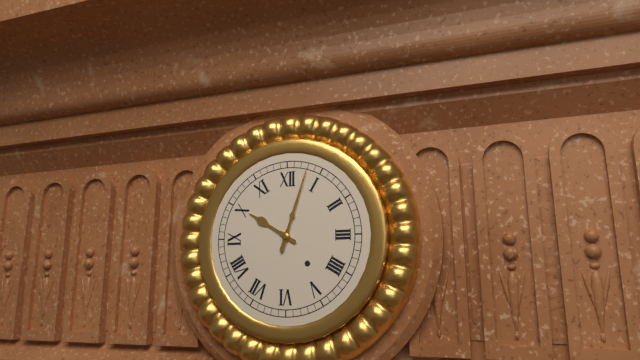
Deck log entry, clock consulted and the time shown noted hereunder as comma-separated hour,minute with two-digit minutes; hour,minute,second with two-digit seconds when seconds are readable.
10,03
